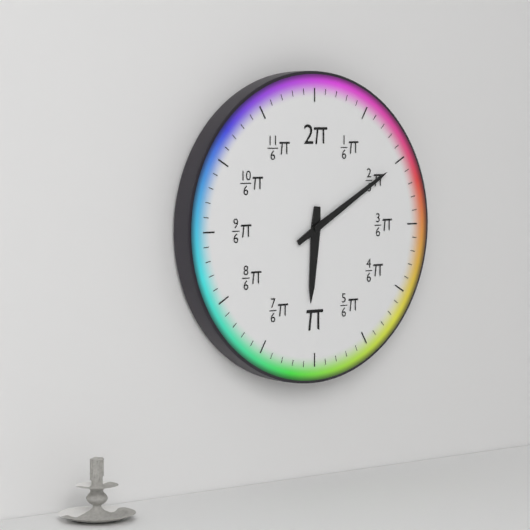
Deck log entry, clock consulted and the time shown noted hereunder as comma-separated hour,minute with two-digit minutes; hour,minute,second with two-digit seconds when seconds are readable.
6,10
